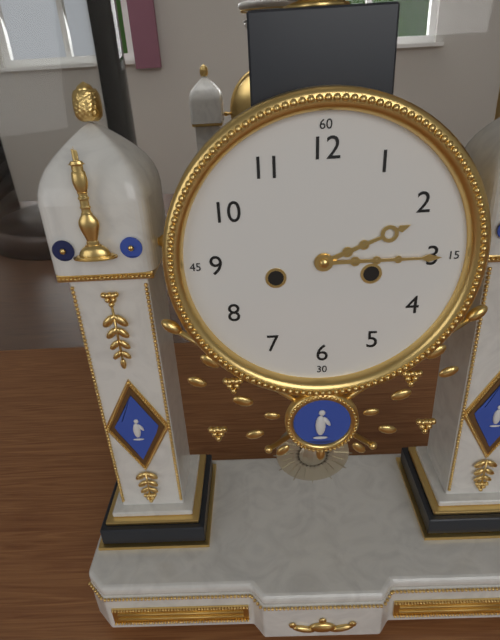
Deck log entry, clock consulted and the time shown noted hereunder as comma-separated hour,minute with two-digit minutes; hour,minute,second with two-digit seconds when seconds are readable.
2,15
